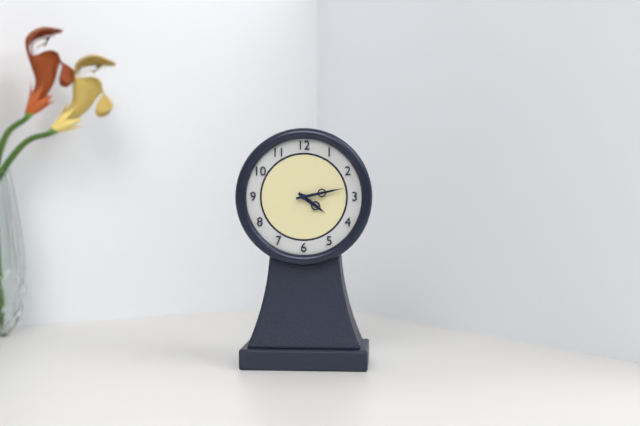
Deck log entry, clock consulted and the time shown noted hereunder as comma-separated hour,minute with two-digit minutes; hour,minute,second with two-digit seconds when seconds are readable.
4,13
